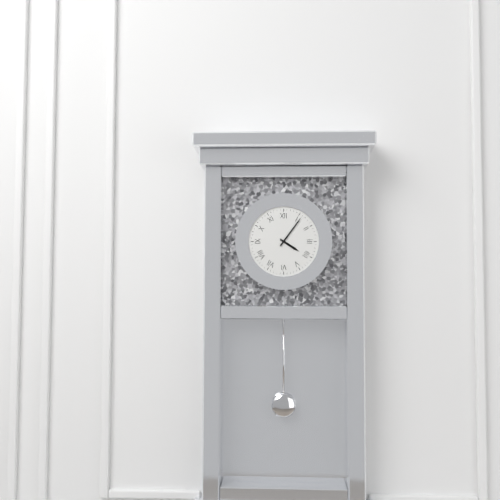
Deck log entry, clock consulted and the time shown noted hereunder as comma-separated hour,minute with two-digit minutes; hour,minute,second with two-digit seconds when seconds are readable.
4,06
